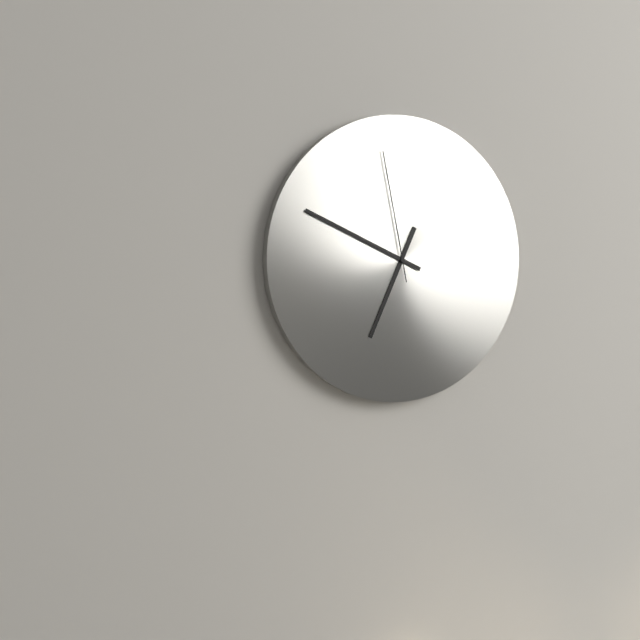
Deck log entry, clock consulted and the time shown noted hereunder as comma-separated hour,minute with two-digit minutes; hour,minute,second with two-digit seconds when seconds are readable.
6,49,58
